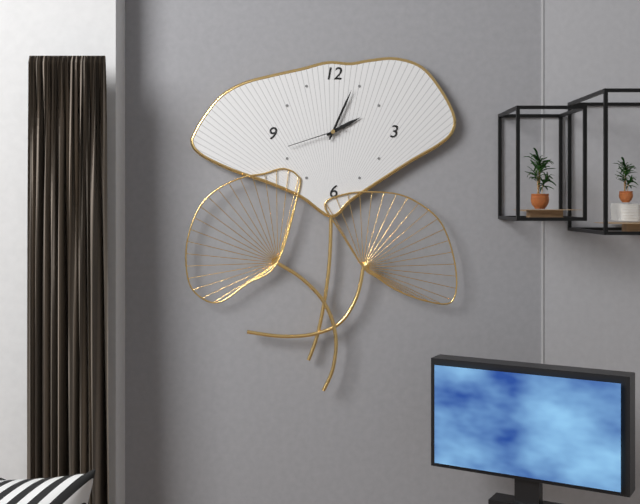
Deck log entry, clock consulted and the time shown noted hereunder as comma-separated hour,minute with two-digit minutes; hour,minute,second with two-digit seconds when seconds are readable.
2,04,42
